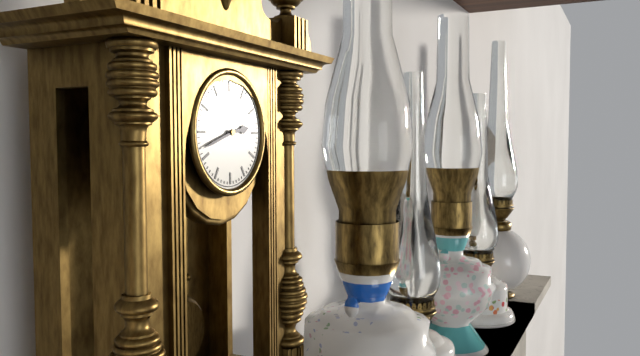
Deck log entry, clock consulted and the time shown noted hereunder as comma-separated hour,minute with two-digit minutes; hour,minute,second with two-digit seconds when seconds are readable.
2,42
